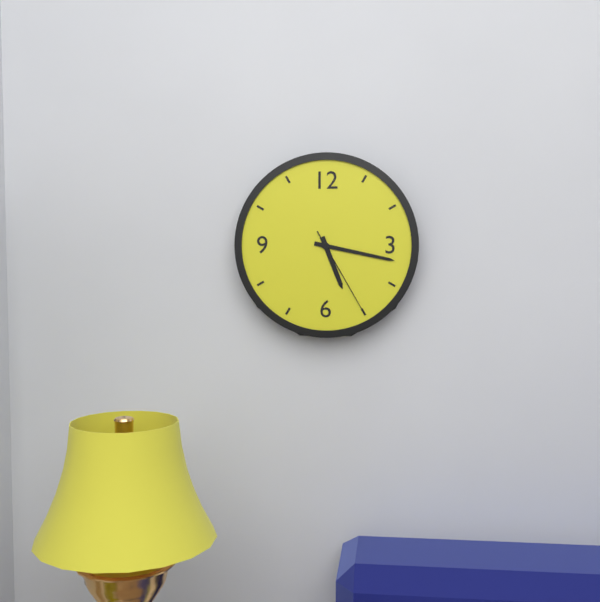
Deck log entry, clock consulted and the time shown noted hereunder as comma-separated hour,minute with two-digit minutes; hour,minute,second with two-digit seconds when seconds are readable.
5,17,25
